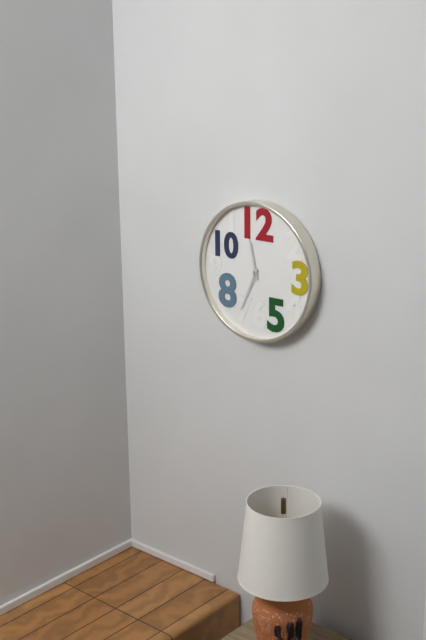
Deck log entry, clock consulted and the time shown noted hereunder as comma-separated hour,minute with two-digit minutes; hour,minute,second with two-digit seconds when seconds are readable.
11,34
